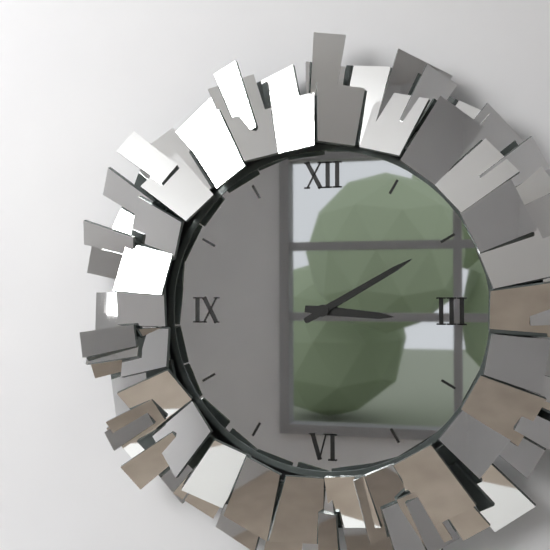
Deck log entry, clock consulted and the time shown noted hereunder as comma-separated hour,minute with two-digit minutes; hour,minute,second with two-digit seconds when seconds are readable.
3,10
